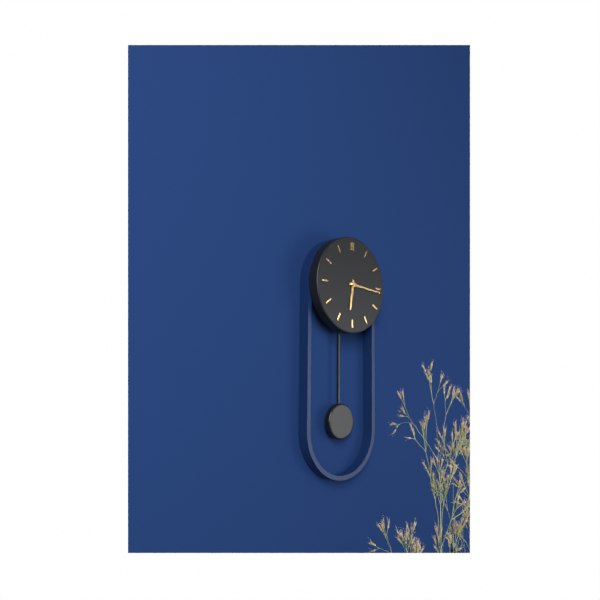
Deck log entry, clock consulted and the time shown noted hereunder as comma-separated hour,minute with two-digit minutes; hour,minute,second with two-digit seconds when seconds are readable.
6,16
